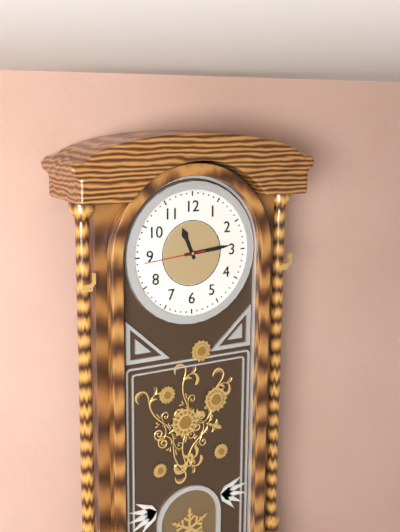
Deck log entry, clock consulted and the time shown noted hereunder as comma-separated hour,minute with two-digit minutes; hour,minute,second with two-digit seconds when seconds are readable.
11,14
